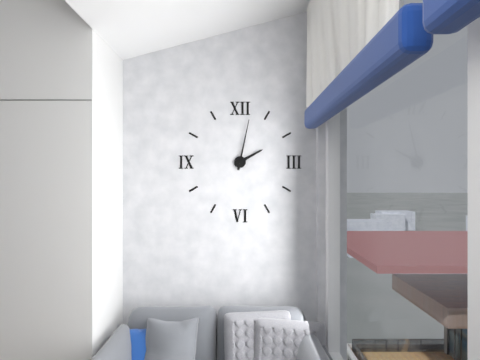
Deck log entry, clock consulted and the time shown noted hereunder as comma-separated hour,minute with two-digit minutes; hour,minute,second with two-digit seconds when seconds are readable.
2,02
